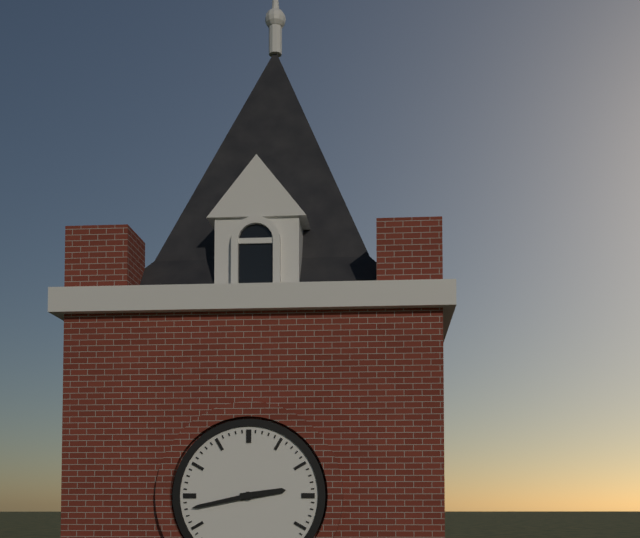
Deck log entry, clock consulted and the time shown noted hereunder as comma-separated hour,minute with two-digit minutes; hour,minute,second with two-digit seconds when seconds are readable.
2,43
